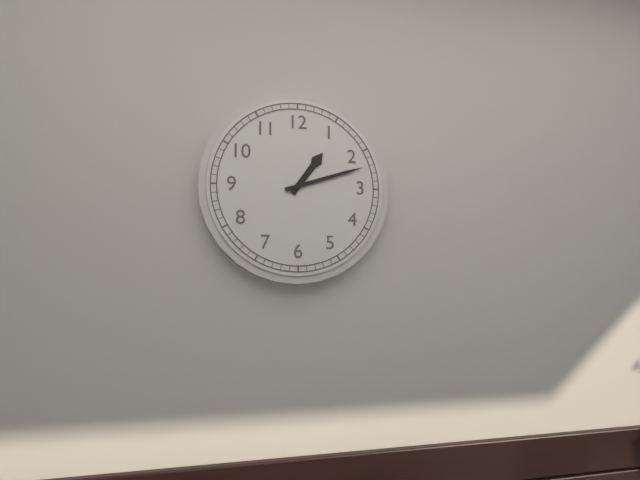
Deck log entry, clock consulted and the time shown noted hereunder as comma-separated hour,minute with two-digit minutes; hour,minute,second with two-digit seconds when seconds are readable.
1,12
